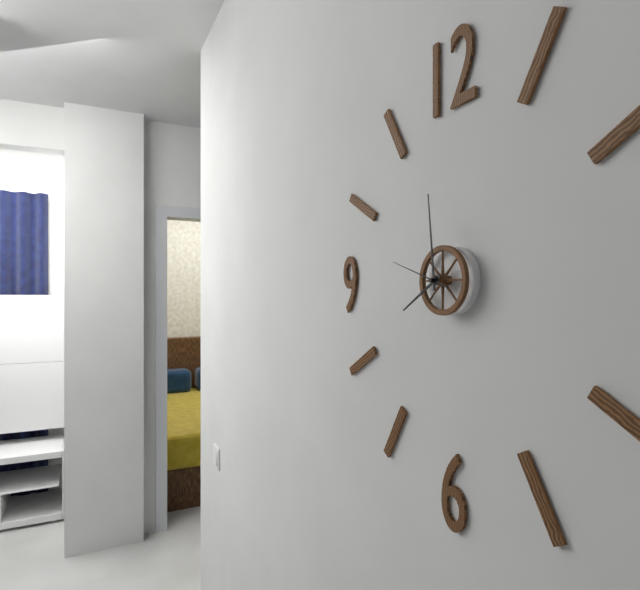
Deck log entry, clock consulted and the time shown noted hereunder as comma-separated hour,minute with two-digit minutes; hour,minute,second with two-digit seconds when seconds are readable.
7,59,48
